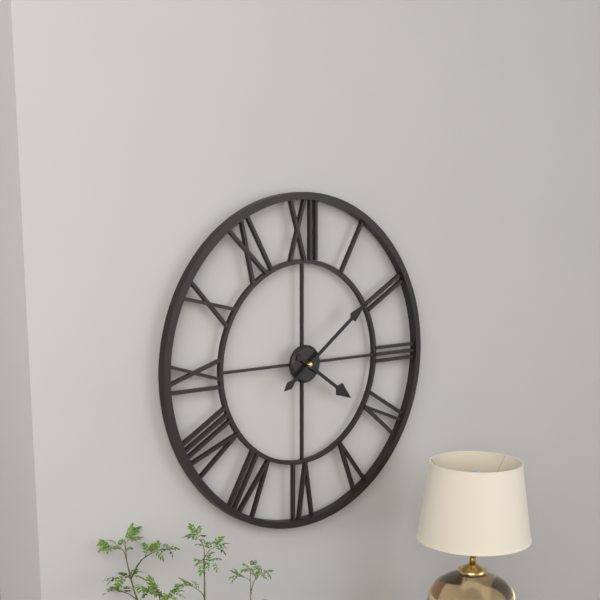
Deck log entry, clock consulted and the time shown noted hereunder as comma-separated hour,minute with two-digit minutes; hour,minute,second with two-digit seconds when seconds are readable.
4,09
